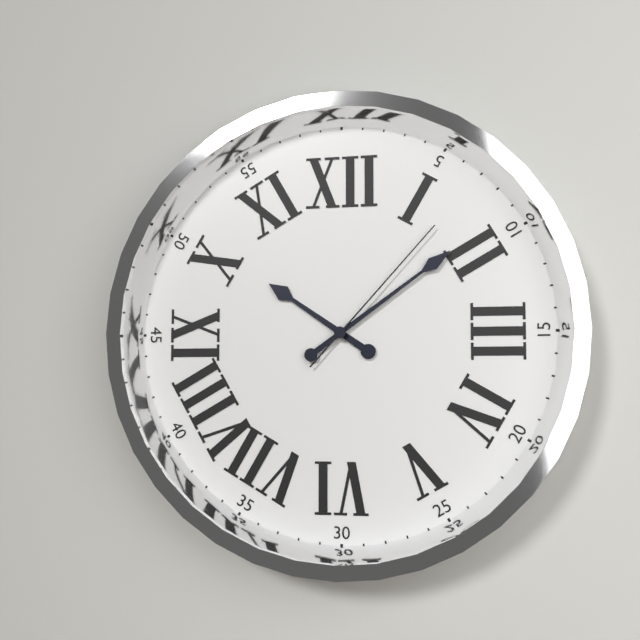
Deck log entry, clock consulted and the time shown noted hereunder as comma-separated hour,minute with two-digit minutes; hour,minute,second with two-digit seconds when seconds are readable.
10,09,07
